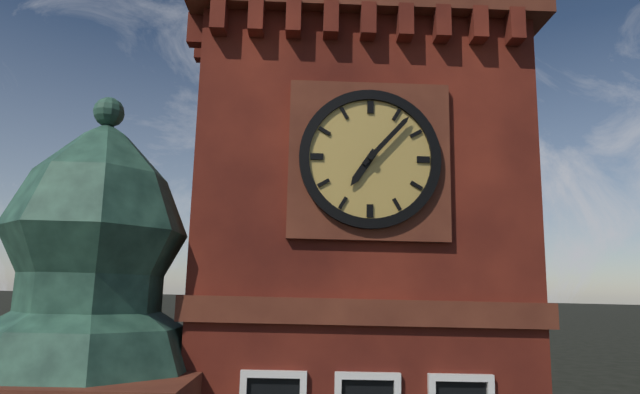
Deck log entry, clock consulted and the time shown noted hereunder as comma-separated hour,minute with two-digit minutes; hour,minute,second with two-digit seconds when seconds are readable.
7,07
